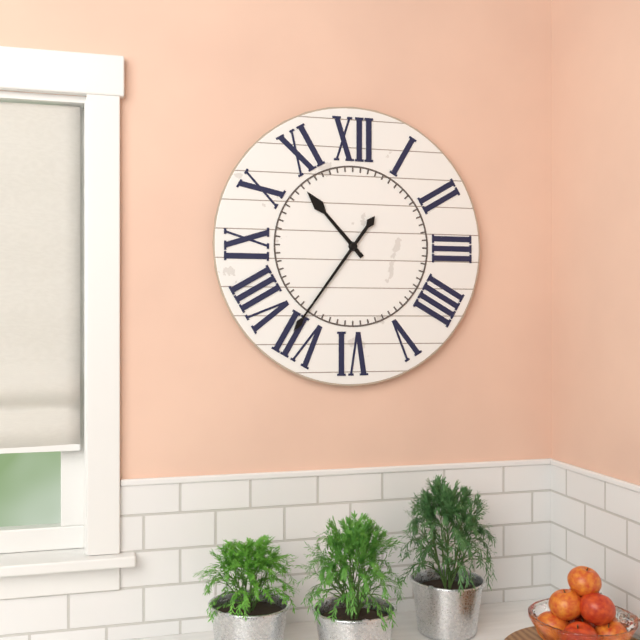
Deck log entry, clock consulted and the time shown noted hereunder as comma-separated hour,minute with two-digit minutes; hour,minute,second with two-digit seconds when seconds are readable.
10,36
